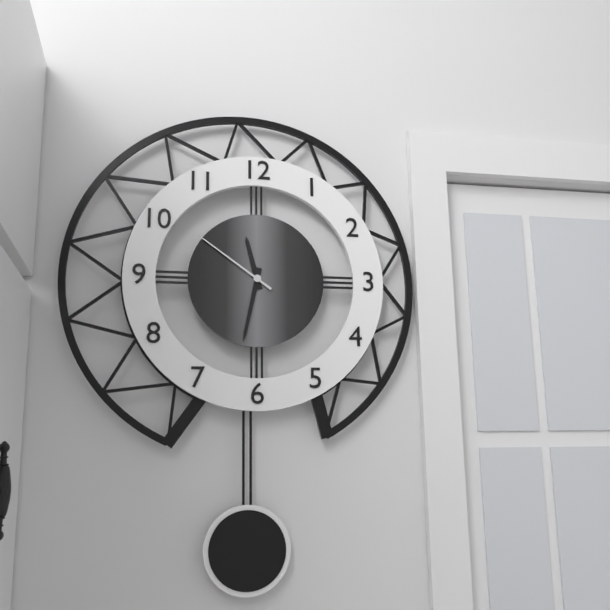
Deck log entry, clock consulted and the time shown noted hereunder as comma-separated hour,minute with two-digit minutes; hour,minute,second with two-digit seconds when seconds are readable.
11,32,51
